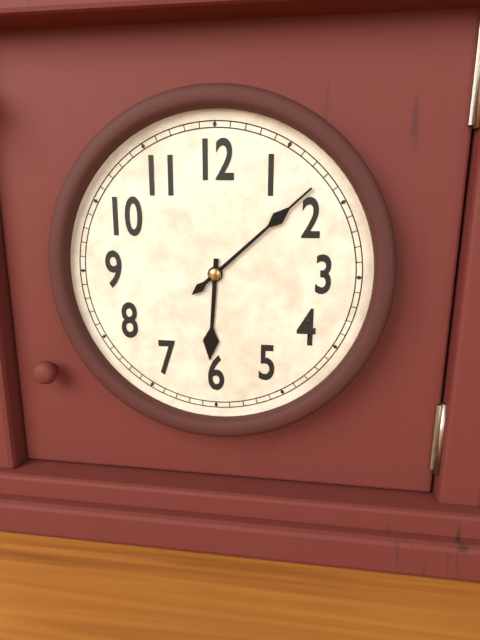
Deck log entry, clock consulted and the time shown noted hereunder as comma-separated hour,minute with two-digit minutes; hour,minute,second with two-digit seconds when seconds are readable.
6,08
